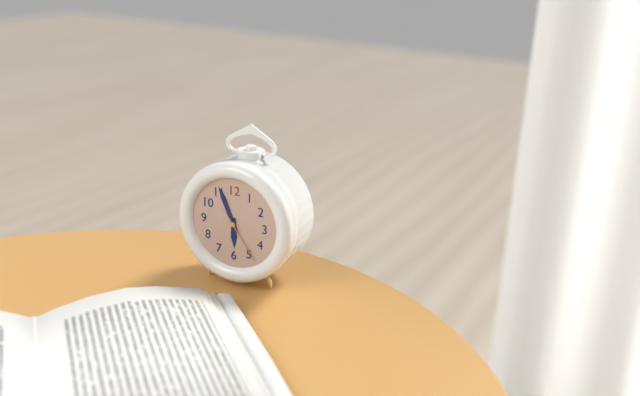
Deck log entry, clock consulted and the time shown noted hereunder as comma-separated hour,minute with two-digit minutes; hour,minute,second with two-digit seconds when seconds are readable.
5,56,24
